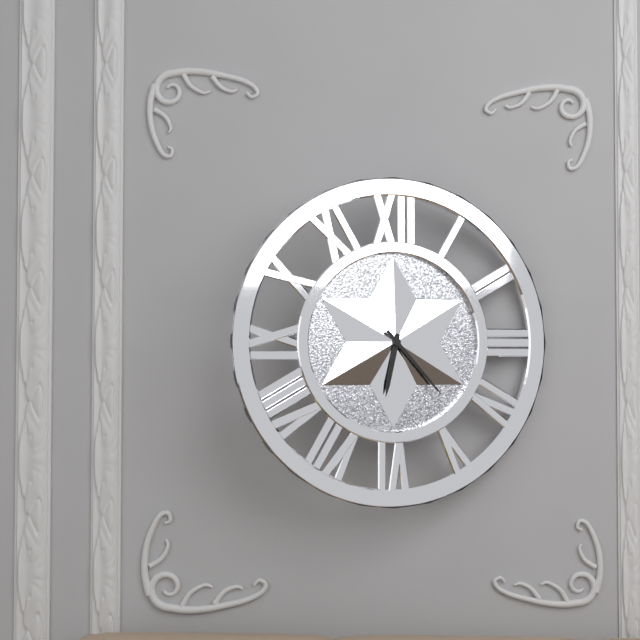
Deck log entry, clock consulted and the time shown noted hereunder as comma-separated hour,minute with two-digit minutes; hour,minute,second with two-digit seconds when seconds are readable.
6,23
